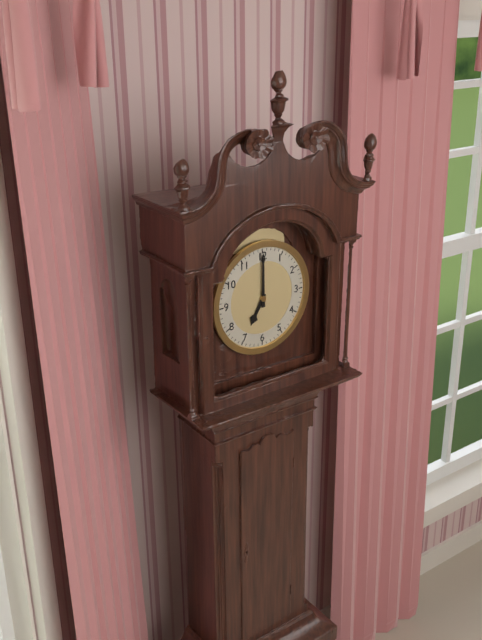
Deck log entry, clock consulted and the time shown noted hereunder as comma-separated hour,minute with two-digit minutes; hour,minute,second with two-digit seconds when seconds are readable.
7,00
